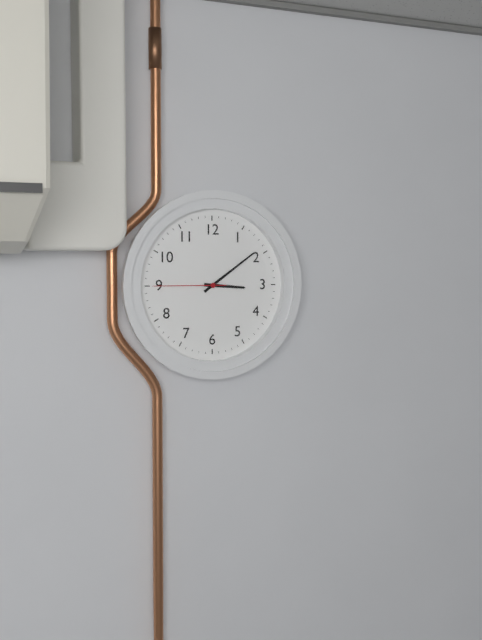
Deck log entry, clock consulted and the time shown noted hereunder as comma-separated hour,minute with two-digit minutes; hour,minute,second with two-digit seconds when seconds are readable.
3,09,45
